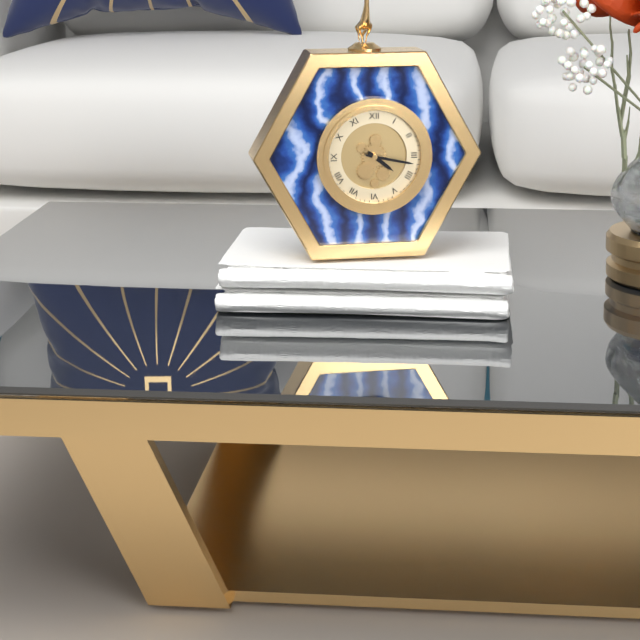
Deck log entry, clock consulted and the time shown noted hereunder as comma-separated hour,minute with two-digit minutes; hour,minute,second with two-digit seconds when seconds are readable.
4,17
